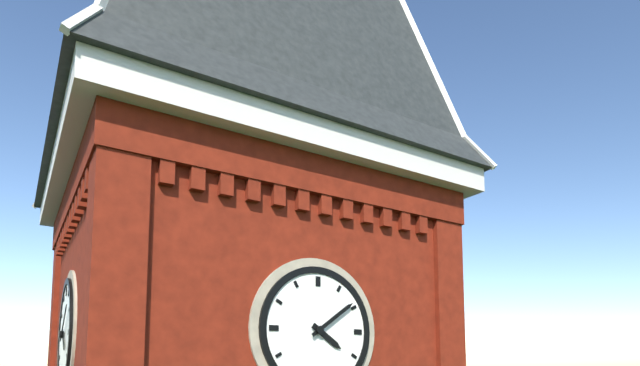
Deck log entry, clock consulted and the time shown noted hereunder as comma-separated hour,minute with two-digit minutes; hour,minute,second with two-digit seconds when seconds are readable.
4,09
